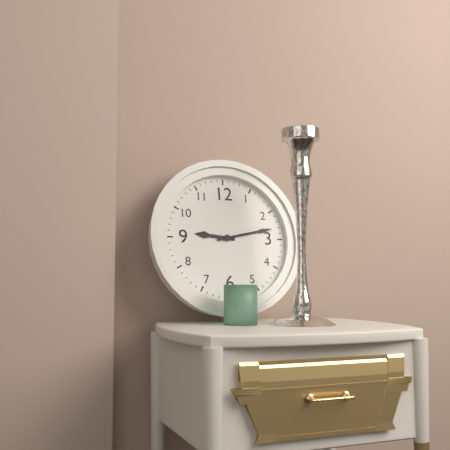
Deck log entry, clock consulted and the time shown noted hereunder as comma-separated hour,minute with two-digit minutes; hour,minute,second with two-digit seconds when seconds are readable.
9,13
